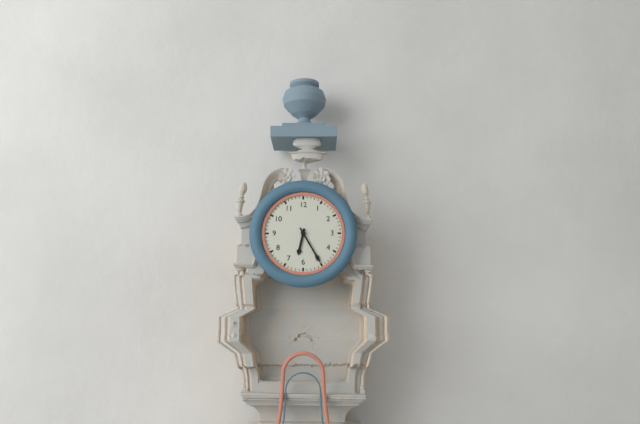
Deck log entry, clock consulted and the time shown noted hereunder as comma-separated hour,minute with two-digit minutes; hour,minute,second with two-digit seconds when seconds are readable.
6,25
